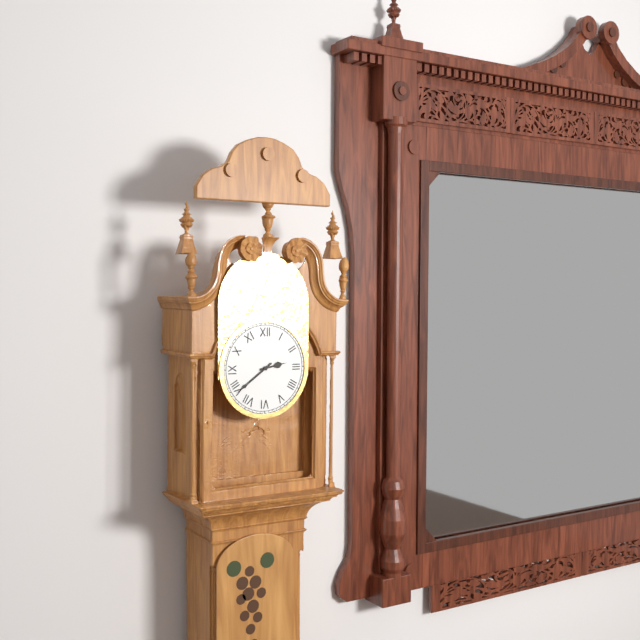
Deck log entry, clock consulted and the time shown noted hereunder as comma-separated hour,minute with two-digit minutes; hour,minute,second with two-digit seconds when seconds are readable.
2,39
